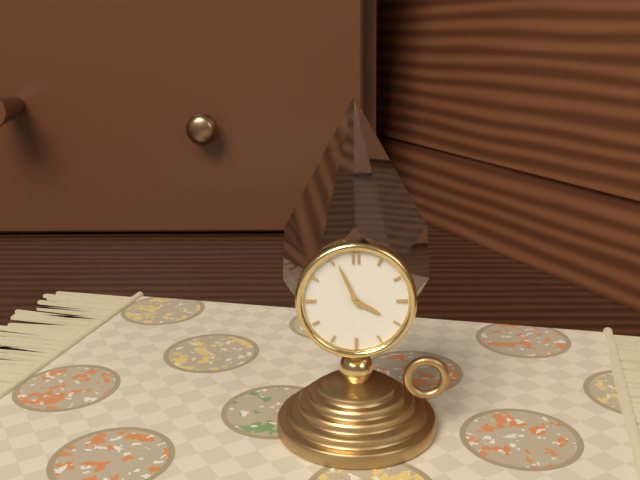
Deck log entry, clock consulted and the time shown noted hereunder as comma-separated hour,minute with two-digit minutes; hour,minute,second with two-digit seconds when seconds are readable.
3,56
